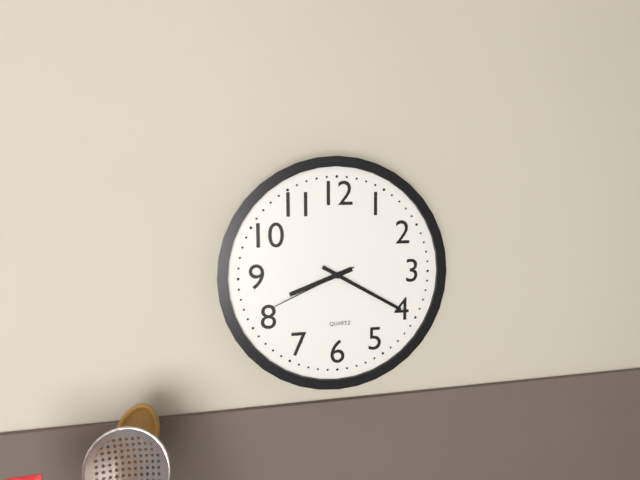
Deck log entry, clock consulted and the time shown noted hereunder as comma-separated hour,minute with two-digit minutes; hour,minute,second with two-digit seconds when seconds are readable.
8,20,41
